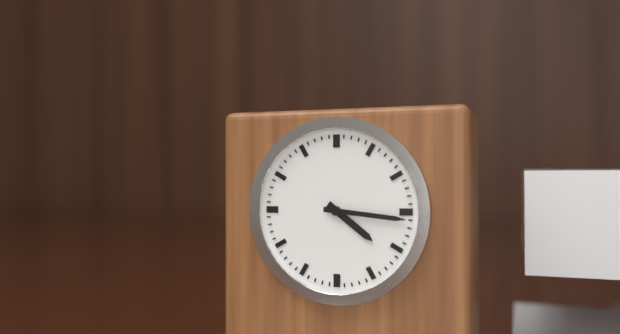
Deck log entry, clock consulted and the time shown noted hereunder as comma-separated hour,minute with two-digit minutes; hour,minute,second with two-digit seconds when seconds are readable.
4,16
